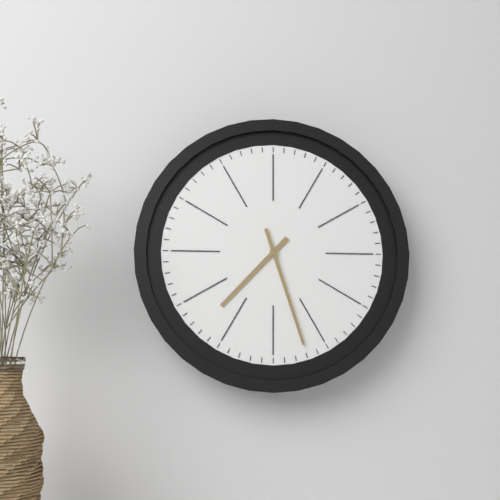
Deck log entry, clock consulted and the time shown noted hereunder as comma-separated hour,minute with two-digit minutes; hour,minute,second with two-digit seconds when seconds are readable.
7,27
